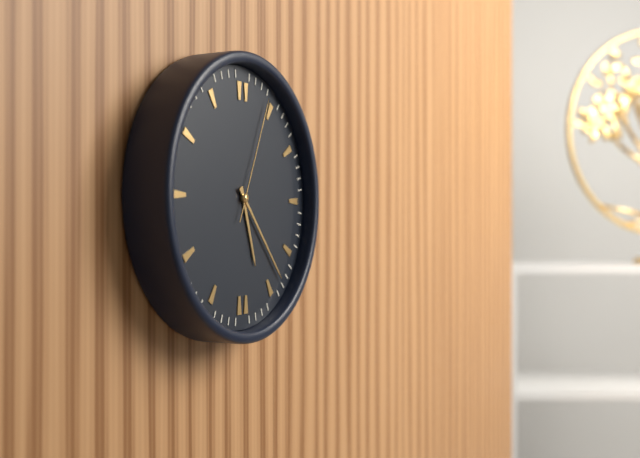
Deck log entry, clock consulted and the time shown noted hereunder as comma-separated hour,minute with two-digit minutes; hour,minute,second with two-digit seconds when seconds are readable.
5,23,04
